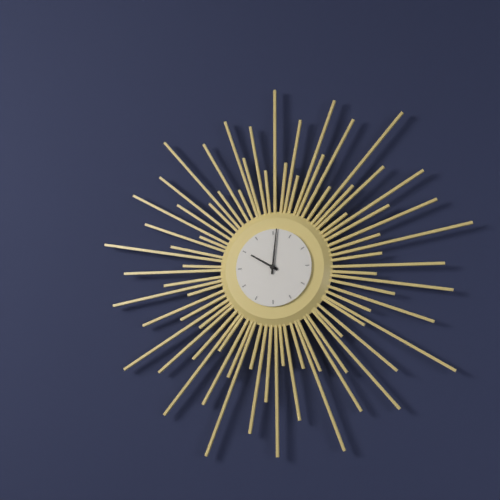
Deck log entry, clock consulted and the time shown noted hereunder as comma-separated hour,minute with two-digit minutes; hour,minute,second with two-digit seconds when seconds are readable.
10,01
